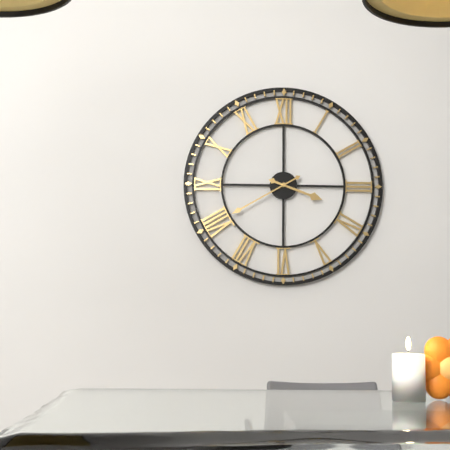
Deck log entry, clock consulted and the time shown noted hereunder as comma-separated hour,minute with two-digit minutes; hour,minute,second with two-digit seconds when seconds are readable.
3,40
